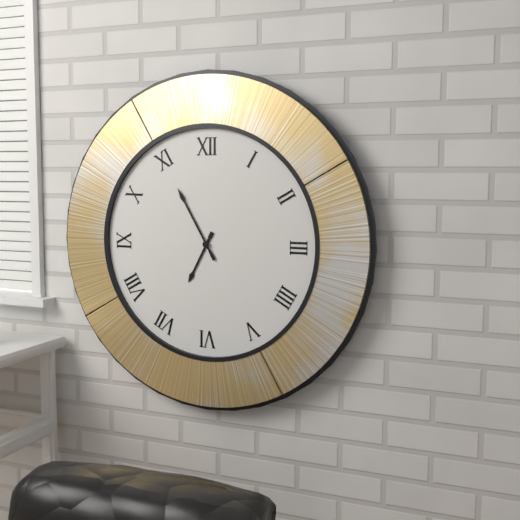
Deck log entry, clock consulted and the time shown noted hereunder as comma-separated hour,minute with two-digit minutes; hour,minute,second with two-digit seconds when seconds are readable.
6,55
